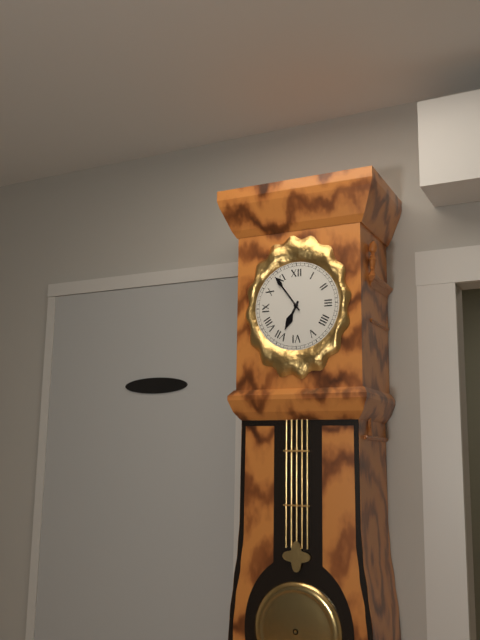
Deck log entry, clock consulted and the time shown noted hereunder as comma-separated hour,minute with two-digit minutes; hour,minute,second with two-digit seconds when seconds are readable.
6,54
